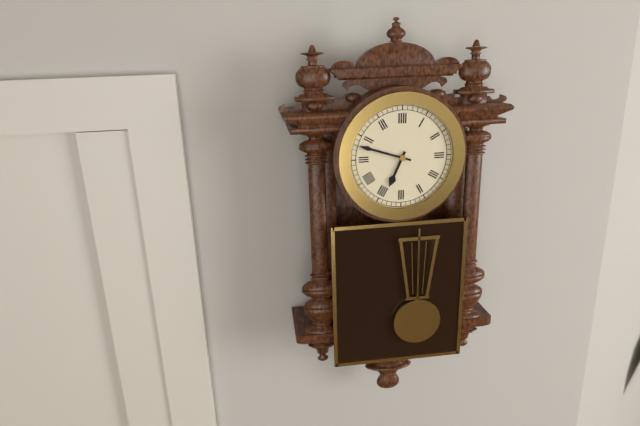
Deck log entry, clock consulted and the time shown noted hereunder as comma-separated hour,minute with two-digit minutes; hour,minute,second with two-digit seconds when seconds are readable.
6,48
